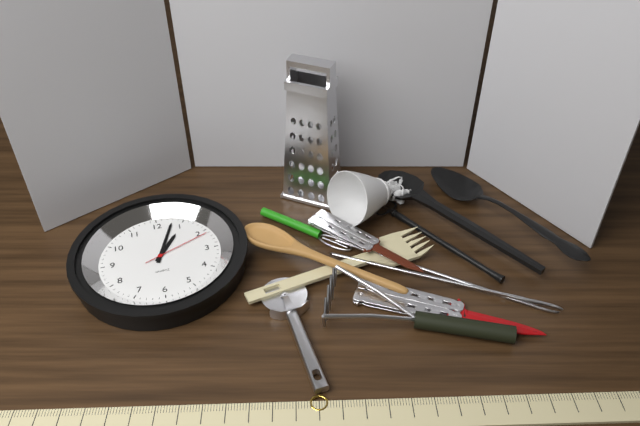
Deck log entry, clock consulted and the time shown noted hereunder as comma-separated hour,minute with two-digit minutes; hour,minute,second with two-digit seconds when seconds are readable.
1,03,11
